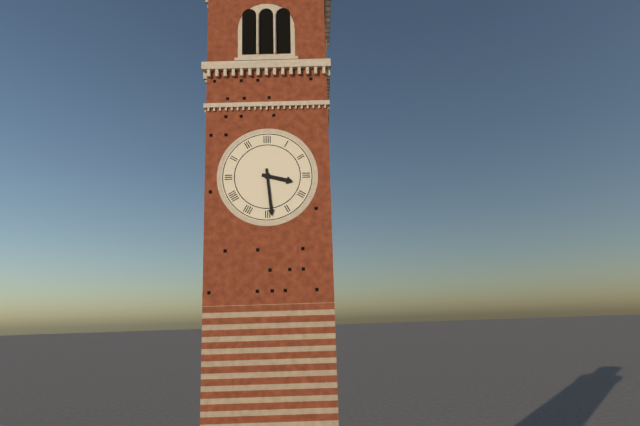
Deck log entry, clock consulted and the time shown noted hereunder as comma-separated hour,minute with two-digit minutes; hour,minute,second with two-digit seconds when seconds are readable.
3,29
